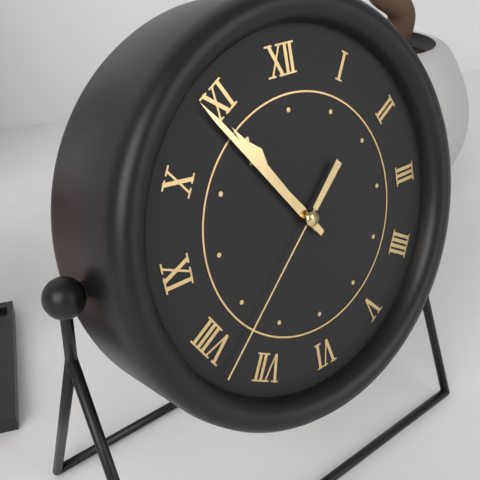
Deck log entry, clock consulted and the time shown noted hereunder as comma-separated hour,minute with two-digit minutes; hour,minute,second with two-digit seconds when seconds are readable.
10,54,38
